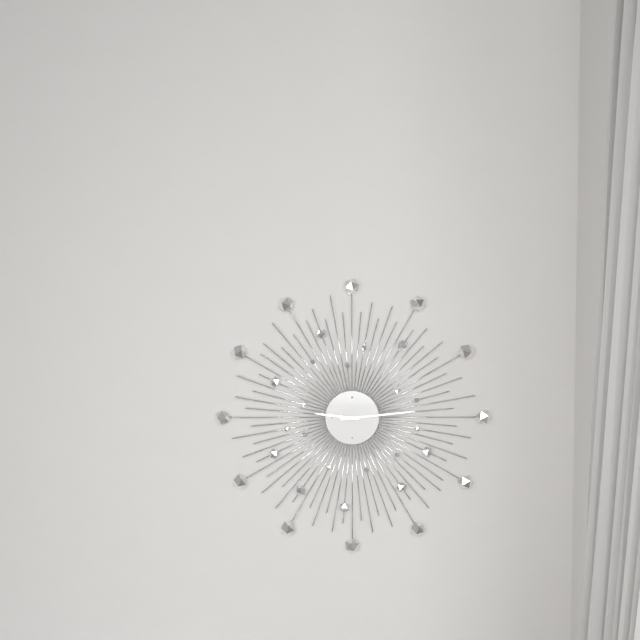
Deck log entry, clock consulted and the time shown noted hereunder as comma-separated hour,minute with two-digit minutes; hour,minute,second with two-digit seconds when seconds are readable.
9,14
